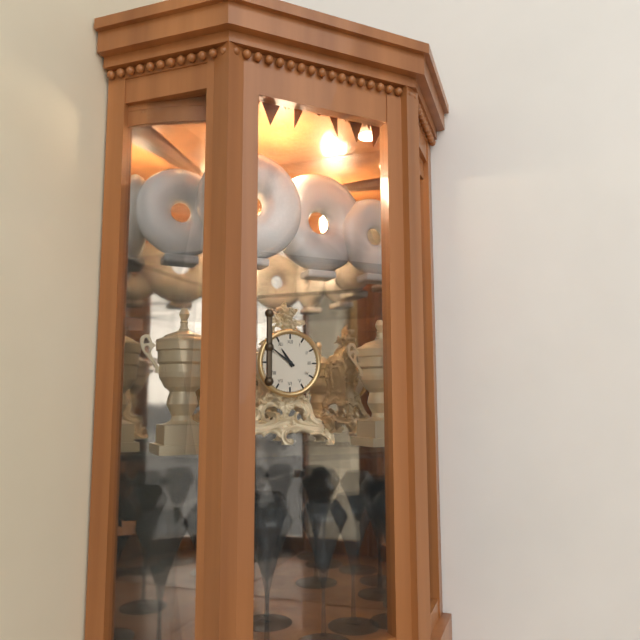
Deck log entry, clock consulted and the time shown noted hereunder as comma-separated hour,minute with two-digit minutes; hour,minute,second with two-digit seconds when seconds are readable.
10,51
